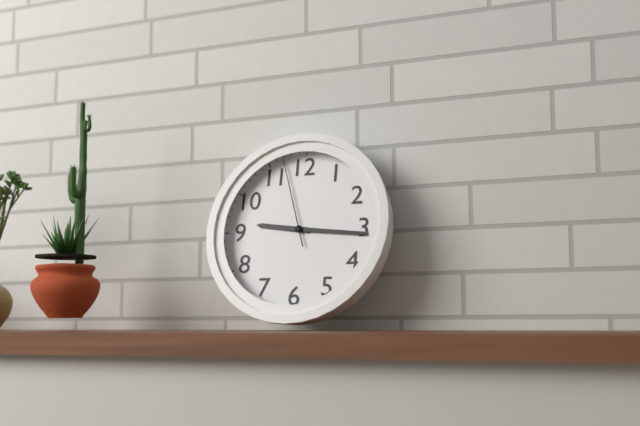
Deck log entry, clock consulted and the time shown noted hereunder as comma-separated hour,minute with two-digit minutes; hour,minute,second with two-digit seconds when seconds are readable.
9,16,57
